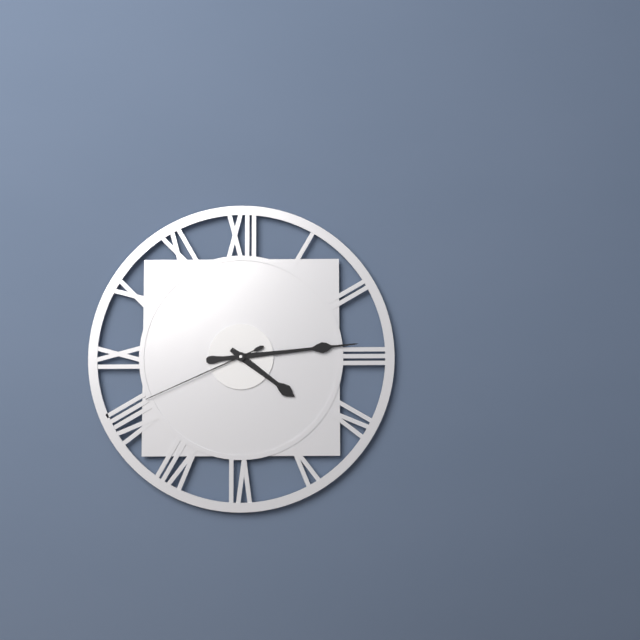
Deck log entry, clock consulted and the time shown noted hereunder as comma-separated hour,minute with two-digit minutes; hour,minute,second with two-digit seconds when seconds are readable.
4,14,41
